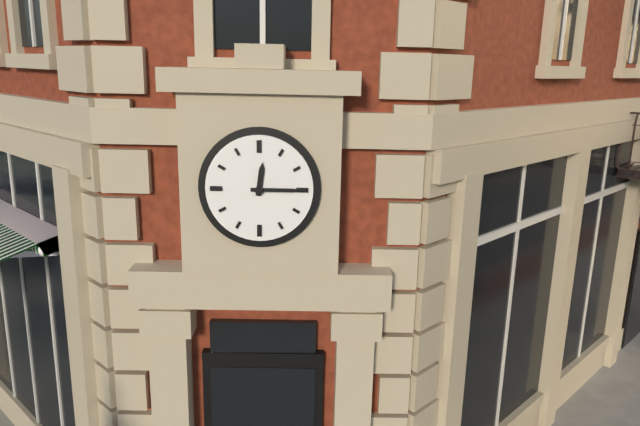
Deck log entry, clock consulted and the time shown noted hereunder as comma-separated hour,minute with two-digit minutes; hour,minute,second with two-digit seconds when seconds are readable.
12,15
